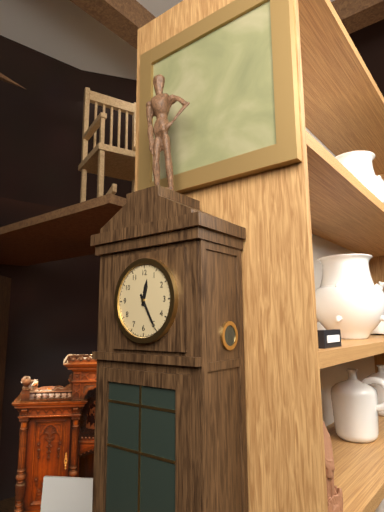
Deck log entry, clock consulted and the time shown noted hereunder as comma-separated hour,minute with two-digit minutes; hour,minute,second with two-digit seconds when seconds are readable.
12,25
